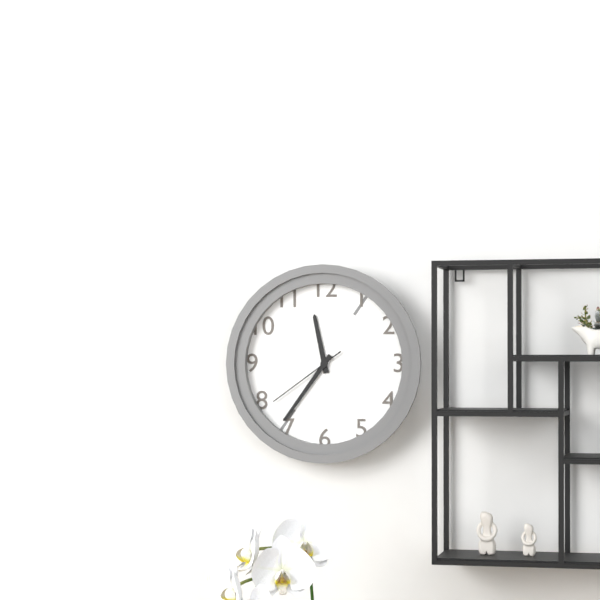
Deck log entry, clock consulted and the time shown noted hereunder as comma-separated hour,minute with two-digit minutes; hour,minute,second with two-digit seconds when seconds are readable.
11,36,39
